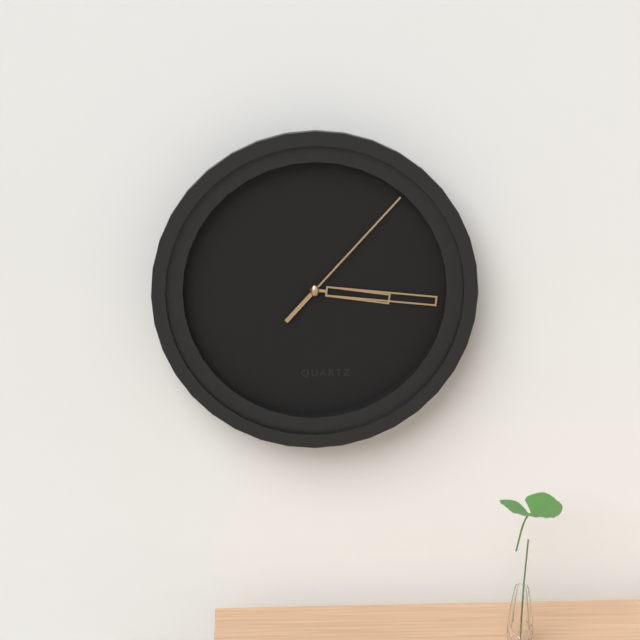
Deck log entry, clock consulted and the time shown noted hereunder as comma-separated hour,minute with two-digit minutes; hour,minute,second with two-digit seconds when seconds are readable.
3,16,07
